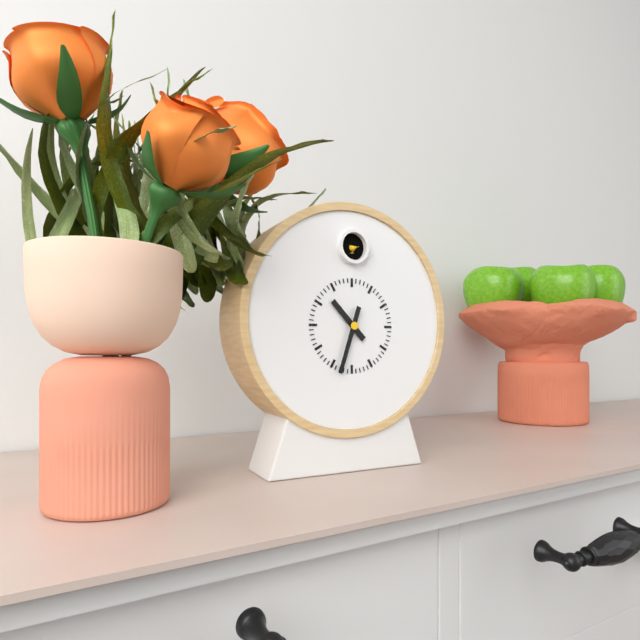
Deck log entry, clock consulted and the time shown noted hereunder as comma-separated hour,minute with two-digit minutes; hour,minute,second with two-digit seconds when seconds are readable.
10,33
